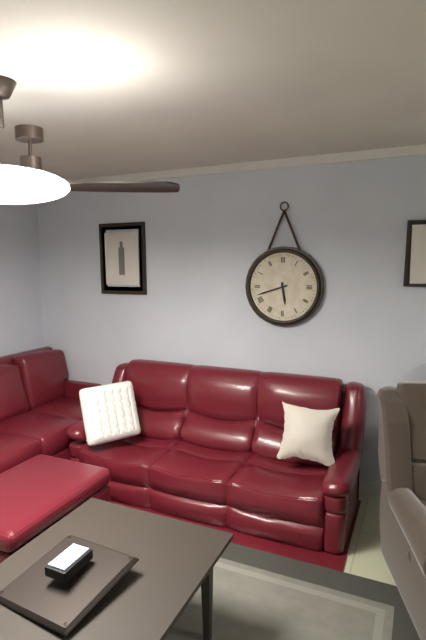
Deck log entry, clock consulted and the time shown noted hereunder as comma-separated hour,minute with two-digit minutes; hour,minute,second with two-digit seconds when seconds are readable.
5,42
